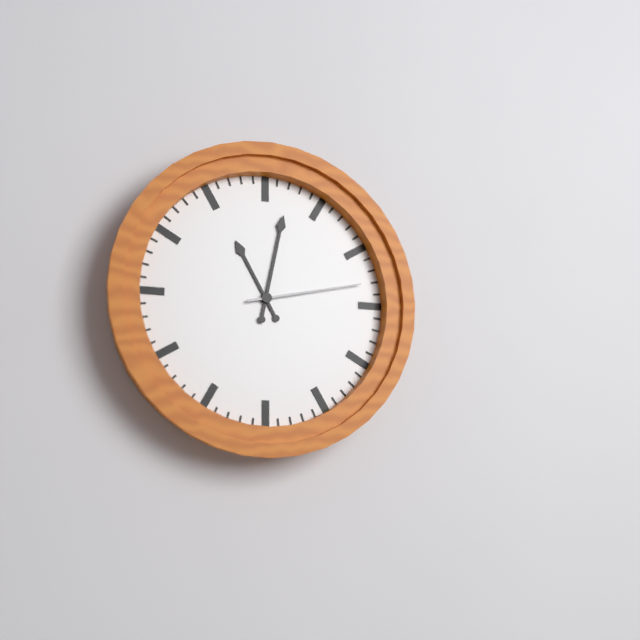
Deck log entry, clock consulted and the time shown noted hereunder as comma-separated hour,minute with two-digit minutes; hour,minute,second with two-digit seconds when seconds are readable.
11,02,13
